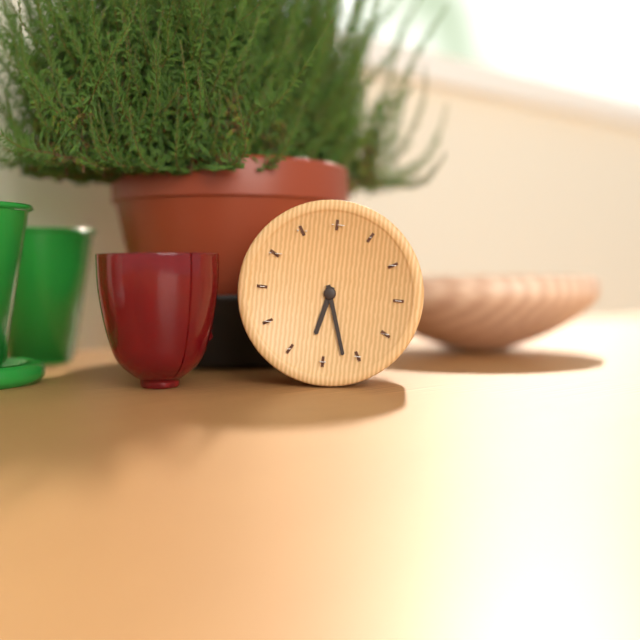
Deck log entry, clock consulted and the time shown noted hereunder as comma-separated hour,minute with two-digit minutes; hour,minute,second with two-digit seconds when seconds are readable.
6,27
